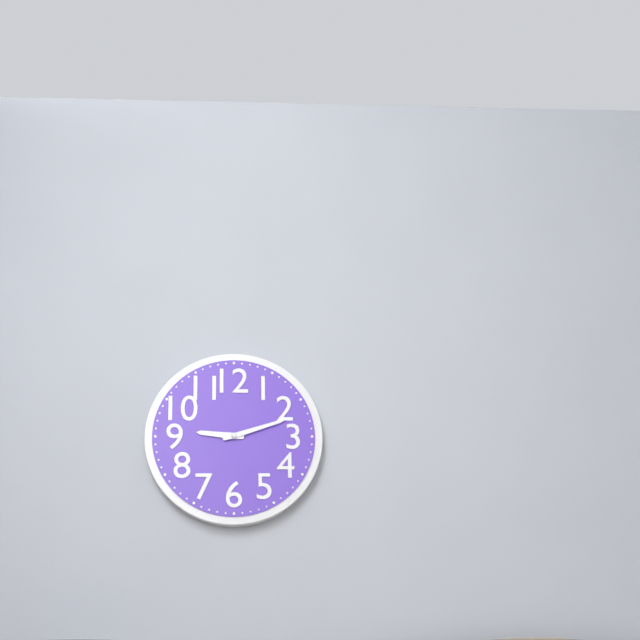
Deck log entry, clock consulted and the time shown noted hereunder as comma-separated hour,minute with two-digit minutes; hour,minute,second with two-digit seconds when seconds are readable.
9,12
